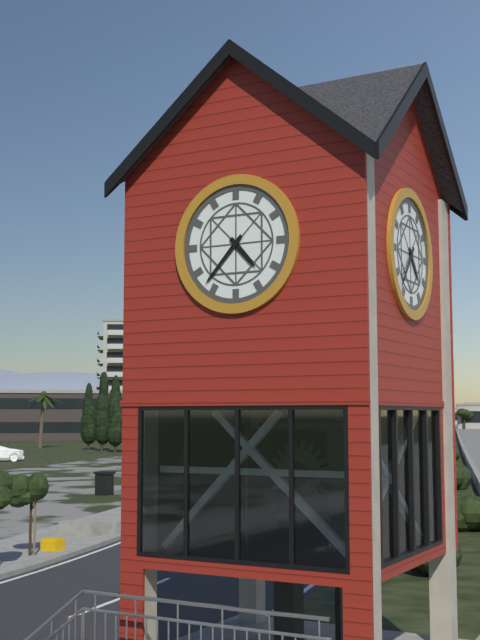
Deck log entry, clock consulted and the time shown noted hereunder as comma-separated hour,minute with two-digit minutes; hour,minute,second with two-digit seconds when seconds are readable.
4,37
